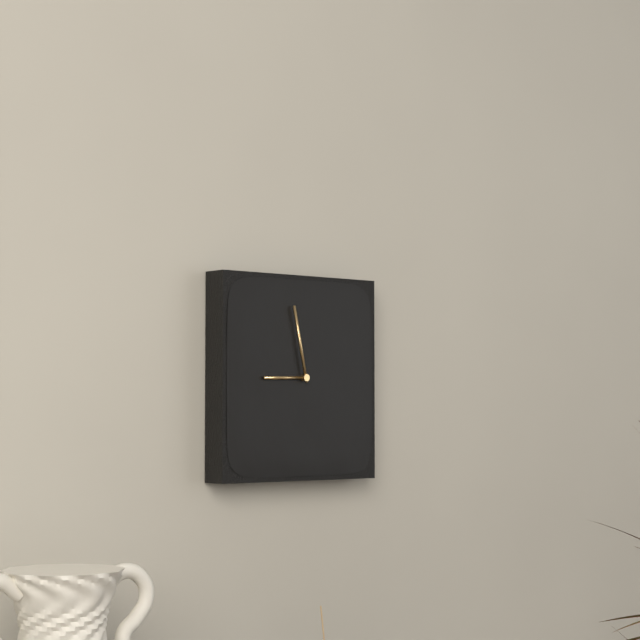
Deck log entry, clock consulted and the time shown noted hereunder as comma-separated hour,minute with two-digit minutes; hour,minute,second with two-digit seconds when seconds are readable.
8,58
